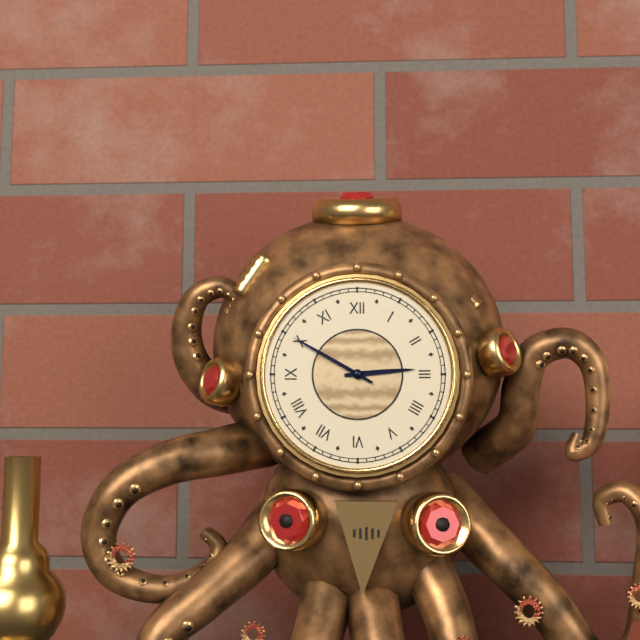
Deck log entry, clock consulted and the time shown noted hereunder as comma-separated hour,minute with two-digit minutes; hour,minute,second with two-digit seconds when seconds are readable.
2,50
